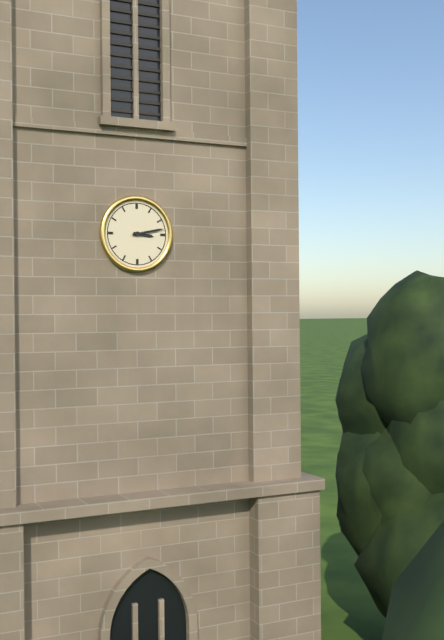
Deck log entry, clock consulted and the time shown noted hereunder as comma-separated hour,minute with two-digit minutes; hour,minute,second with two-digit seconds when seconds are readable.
3,13
